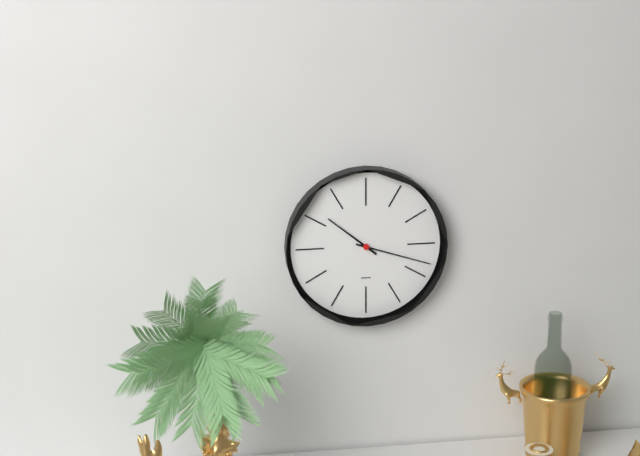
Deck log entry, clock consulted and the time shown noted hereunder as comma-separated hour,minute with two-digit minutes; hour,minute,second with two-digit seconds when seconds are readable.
10,18
